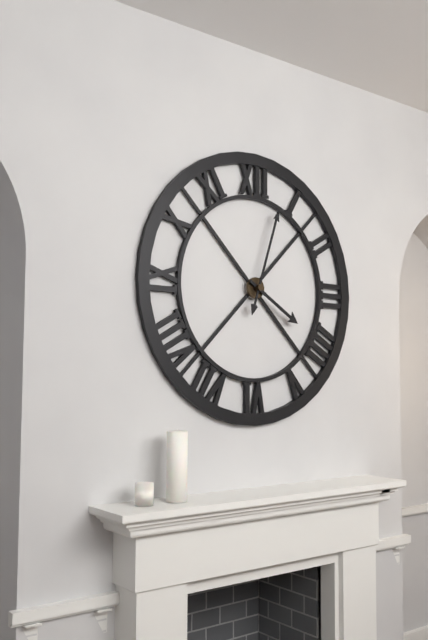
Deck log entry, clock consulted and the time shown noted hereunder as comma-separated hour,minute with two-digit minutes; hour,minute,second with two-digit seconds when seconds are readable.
4,03
